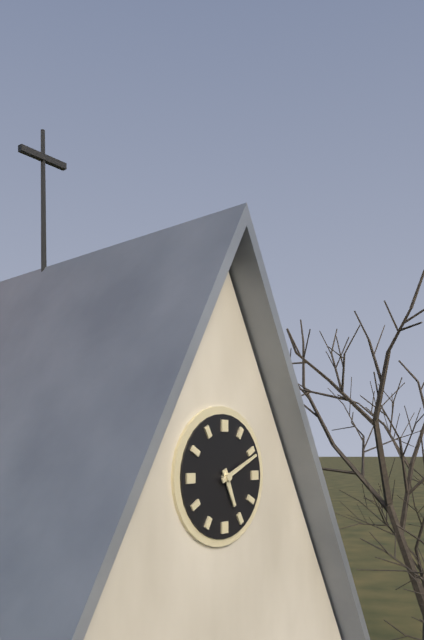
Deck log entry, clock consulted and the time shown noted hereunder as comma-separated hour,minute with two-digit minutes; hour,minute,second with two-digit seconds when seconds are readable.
5,11
